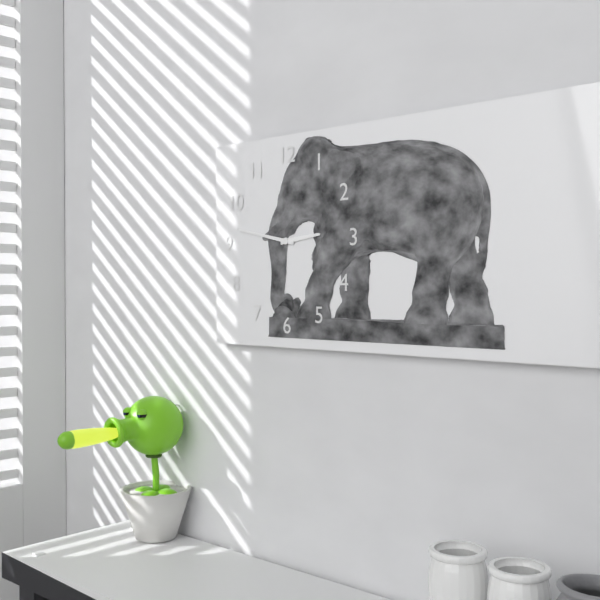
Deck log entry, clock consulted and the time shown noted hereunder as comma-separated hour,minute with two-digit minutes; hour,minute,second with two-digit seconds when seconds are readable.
2,47
